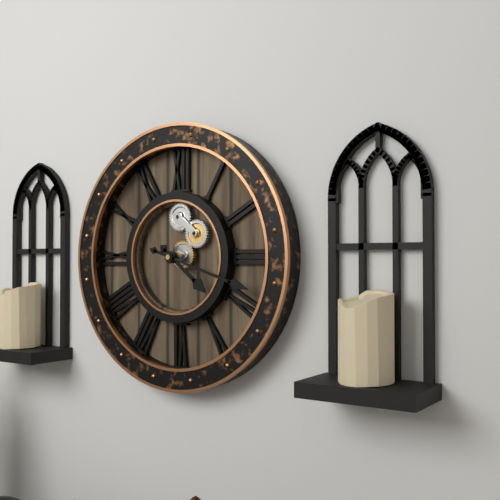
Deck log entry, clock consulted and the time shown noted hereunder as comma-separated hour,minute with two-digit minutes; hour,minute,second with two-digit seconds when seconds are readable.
4,18
